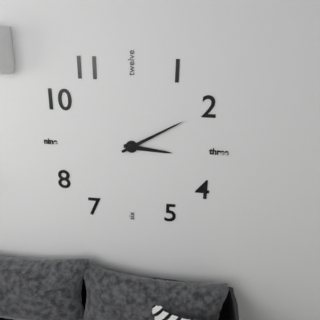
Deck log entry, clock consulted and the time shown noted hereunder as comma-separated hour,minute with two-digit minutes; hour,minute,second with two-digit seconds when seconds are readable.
3,10
